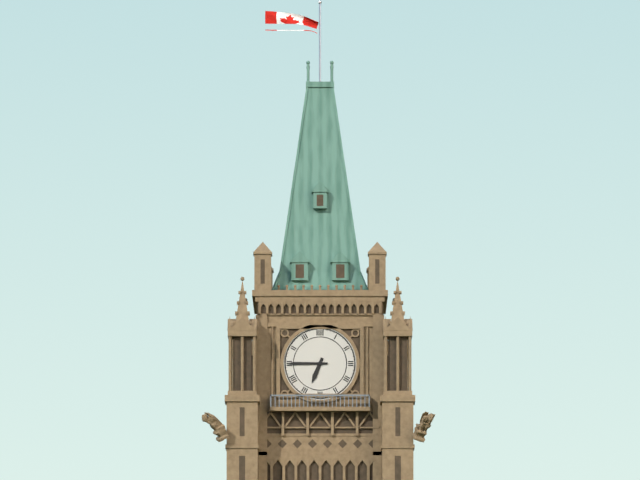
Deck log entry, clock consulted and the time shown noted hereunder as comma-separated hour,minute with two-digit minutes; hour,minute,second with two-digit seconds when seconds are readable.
6,45
